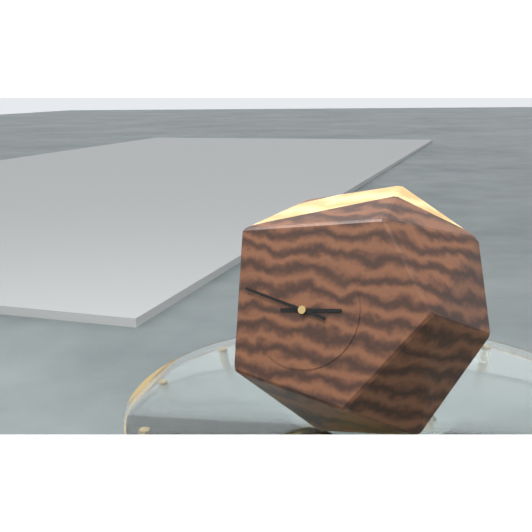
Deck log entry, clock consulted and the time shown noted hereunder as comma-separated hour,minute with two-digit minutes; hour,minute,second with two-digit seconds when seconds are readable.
2,47
